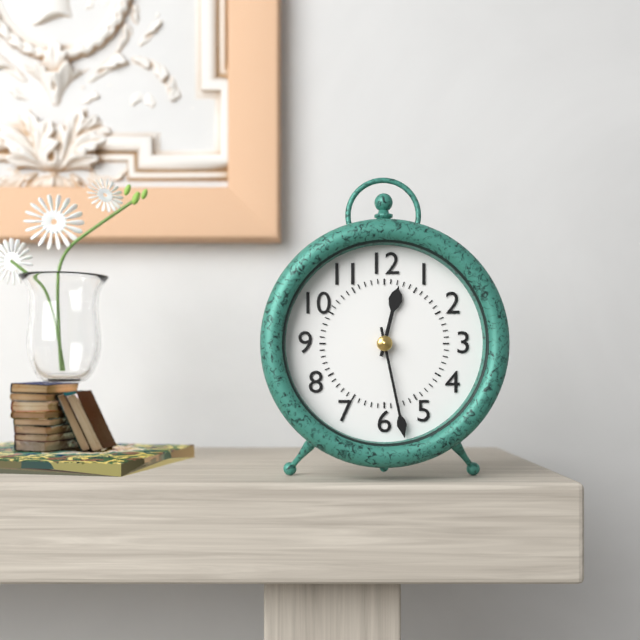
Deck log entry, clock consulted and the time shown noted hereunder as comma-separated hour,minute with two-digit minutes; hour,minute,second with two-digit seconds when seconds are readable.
12,28
